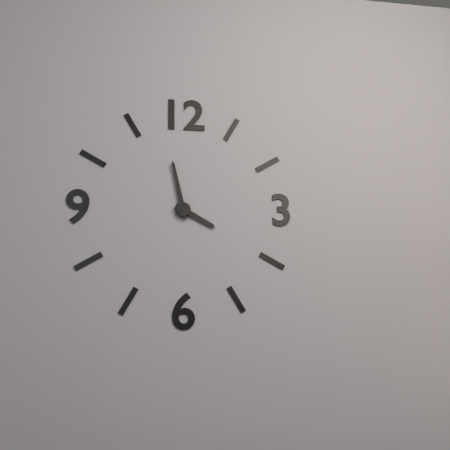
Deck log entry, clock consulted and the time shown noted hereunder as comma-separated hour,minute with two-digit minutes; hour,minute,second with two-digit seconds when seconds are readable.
3,58
